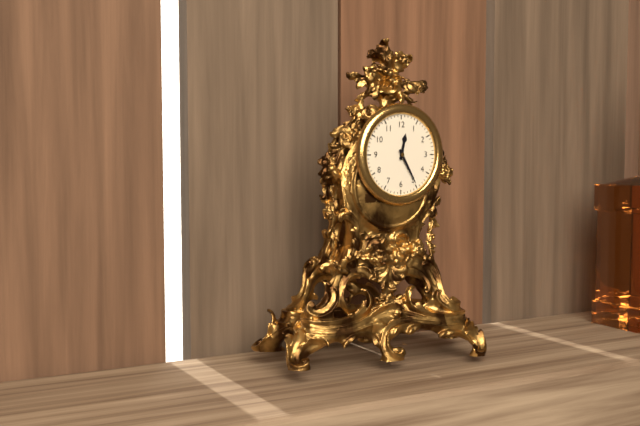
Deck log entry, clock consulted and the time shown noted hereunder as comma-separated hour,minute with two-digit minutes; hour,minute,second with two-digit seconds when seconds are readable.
12,25
